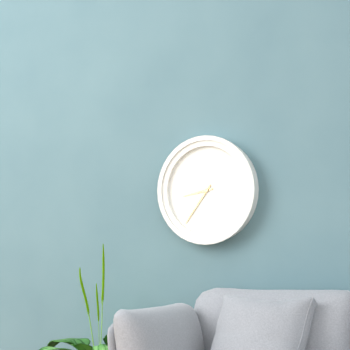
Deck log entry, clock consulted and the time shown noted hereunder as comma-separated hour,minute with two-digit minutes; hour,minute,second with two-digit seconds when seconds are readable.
8,36
